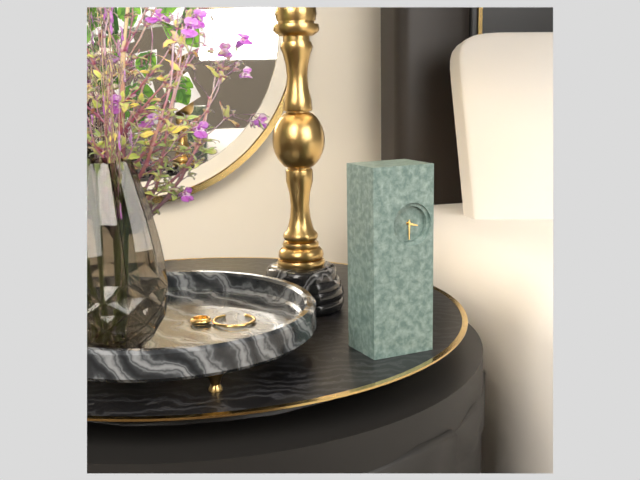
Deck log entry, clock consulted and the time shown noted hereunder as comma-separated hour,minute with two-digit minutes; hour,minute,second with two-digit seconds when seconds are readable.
3,30
